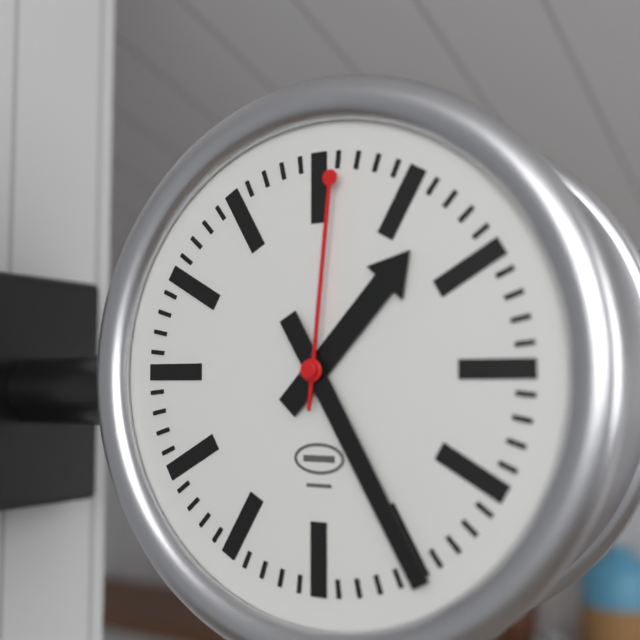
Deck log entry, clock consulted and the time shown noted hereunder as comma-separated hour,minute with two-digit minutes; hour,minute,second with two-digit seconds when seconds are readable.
1,25,01
